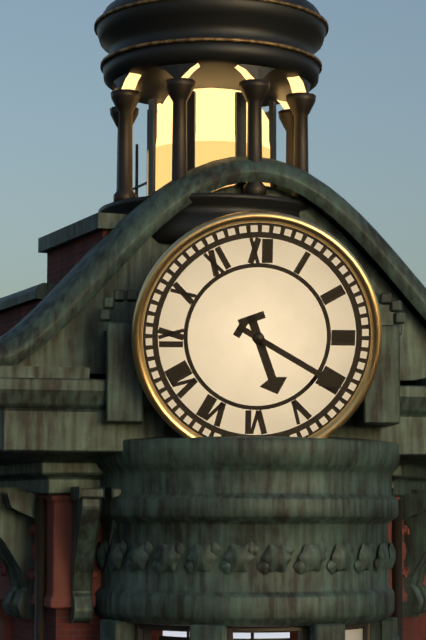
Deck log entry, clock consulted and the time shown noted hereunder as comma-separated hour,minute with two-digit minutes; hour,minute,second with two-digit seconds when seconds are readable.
5,20
